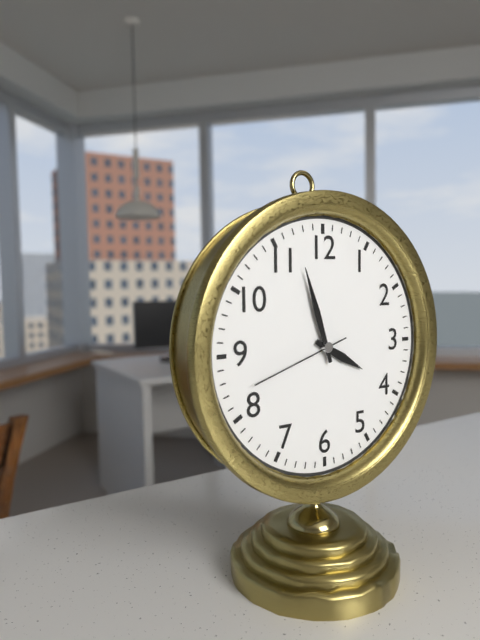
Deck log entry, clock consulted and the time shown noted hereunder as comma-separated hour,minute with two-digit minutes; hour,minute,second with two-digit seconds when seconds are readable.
3,57,42
